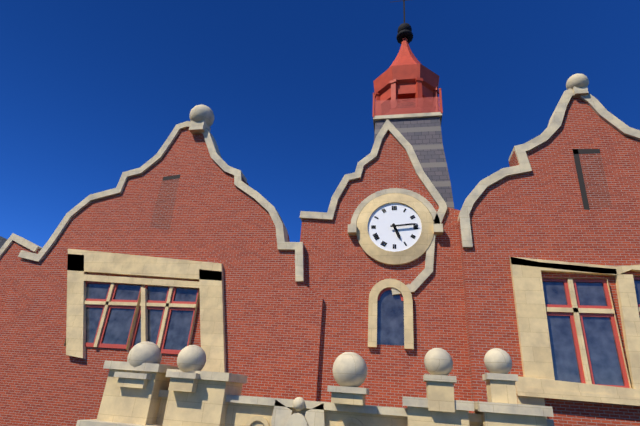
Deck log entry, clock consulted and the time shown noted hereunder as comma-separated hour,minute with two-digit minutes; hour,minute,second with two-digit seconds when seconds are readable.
5,14
